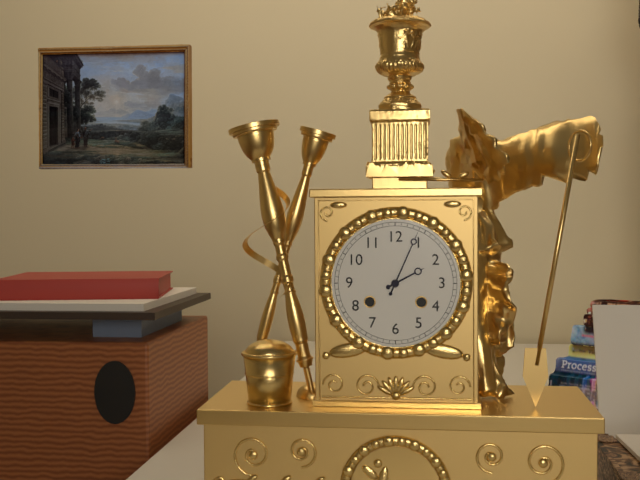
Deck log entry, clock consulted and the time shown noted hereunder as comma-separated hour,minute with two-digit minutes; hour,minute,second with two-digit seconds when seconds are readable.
2,04
